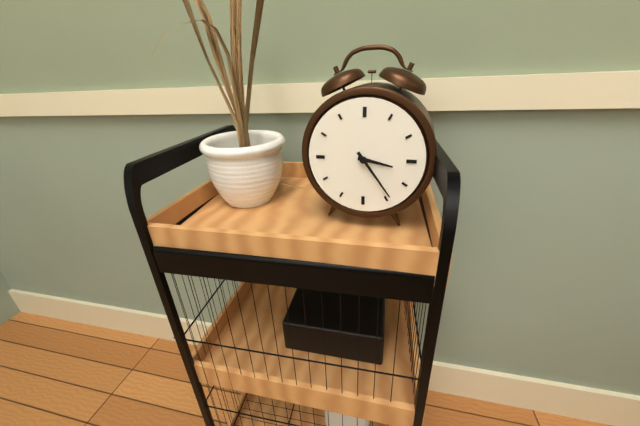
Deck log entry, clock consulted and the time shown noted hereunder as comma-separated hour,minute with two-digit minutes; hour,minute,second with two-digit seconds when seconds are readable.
3,24
